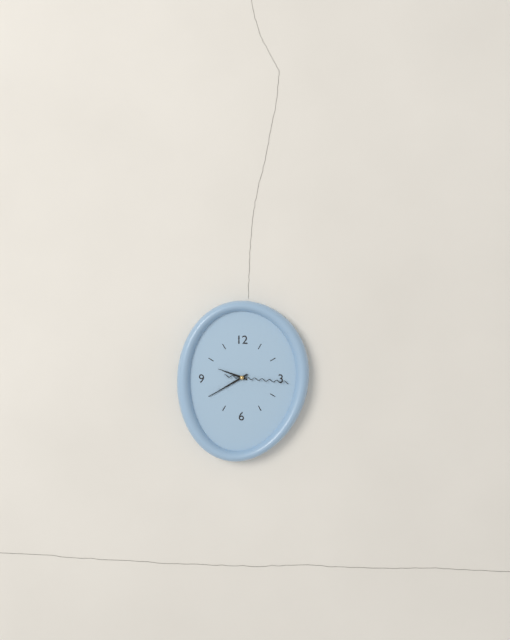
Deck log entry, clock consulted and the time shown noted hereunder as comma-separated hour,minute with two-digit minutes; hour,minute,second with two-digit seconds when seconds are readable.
9,40,16
